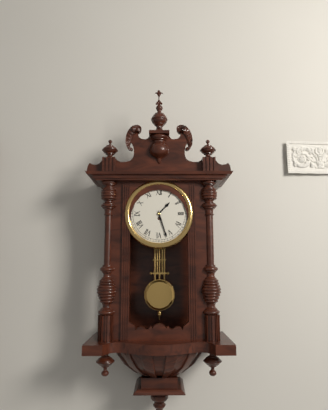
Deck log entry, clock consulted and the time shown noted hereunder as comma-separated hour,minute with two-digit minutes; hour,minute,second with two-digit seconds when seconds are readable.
1,27
